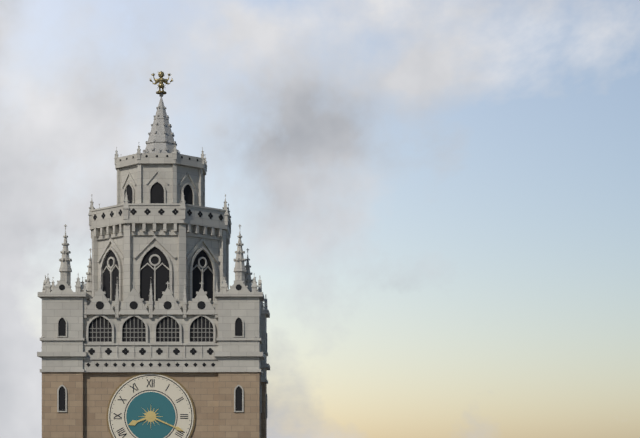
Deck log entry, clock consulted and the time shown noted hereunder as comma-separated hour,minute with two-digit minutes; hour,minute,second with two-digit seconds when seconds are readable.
8,19
